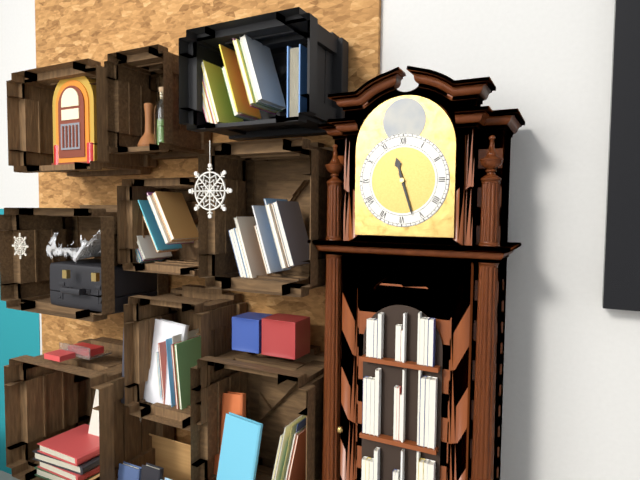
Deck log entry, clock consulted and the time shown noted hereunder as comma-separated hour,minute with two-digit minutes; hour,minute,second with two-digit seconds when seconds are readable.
11,27
